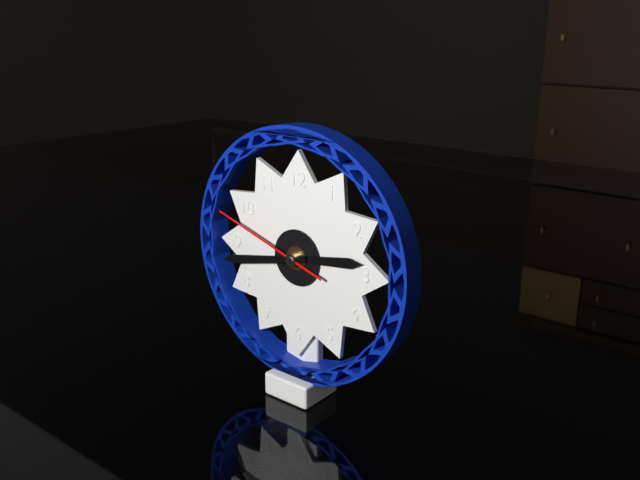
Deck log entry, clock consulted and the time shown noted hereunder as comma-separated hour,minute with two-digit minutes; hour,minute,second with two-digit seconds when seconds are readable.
2,43,48
